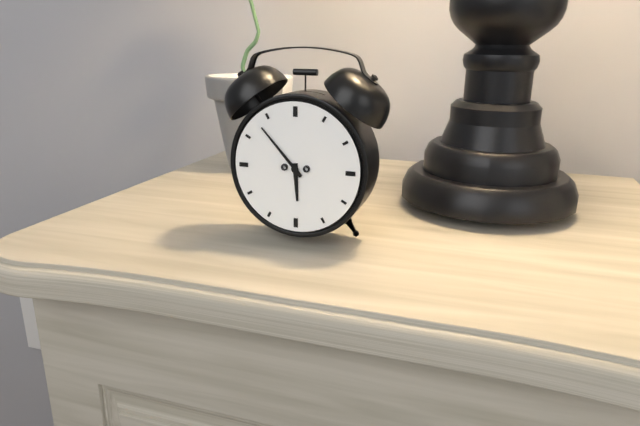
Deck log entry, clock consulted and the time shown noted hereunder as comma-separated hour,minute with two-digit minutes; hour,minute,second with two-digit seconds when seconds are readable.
5,53
